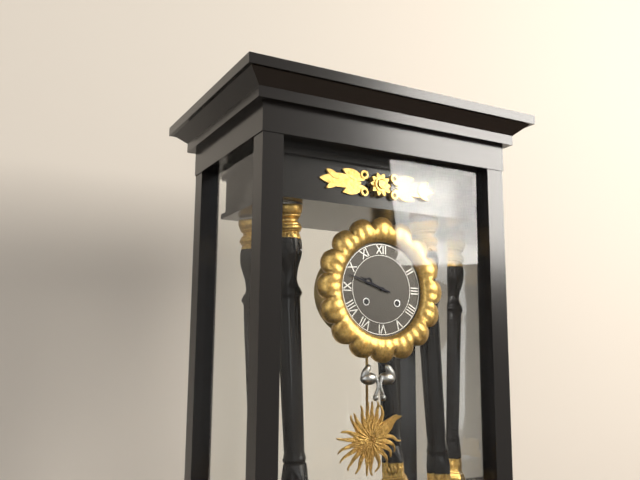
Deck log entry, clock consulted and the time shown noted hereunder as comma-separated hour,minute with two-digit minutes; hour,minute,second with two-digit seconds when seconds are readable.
9,48
